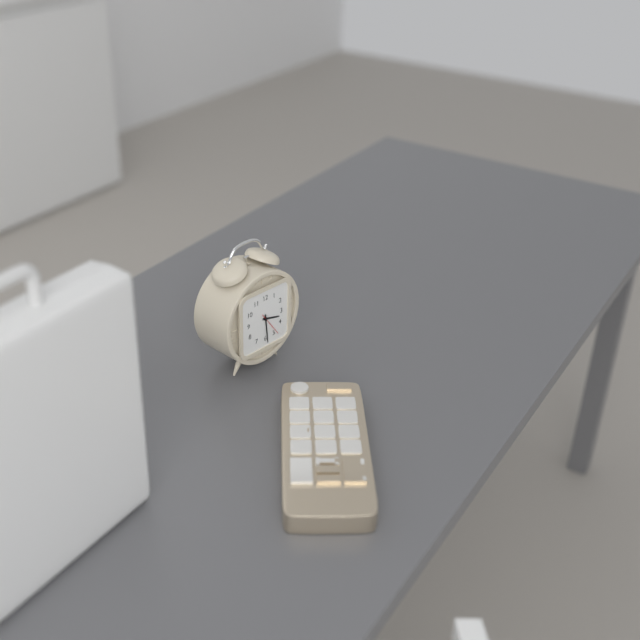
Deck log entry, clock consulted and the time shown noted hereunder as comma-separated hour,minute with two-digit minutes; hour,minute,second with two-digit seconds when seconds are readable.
3,29
